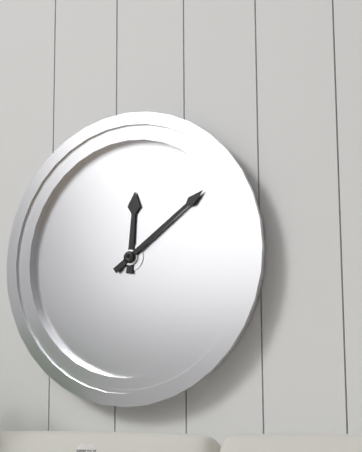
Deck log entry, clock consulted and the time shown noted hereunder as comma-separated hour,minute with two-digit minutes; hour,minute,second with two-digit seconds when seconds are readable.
12,09
